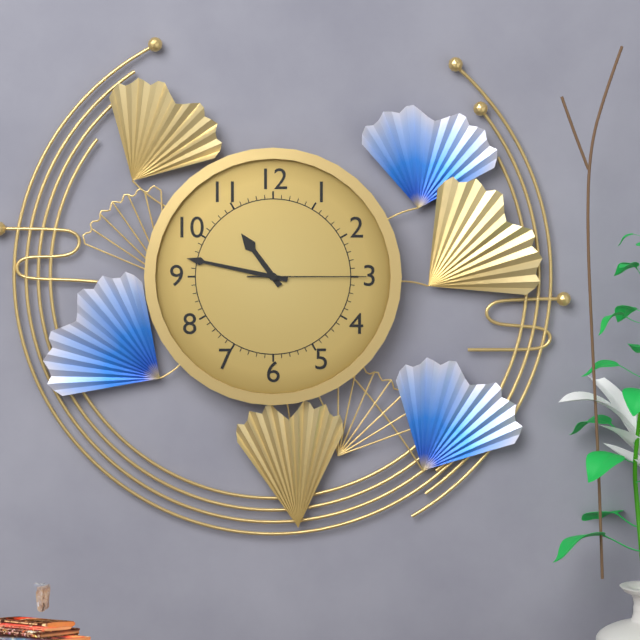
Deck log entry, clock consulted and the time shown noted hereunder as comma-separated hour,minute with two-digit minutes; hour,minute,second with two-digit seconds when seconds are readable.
10,47,15
